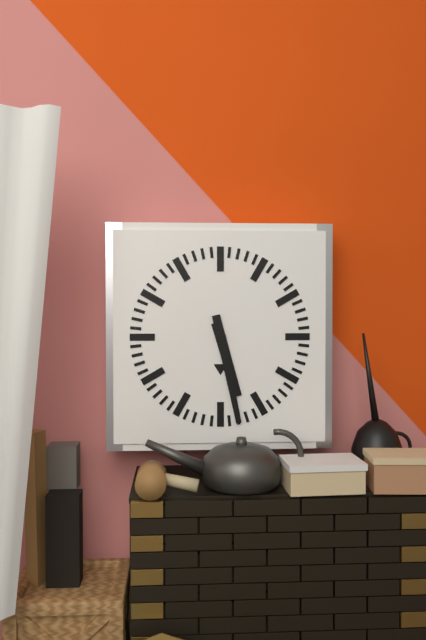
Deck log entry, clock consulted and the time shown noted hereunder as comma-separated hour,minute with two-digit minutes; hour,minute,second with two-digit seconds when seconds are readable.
5,28
